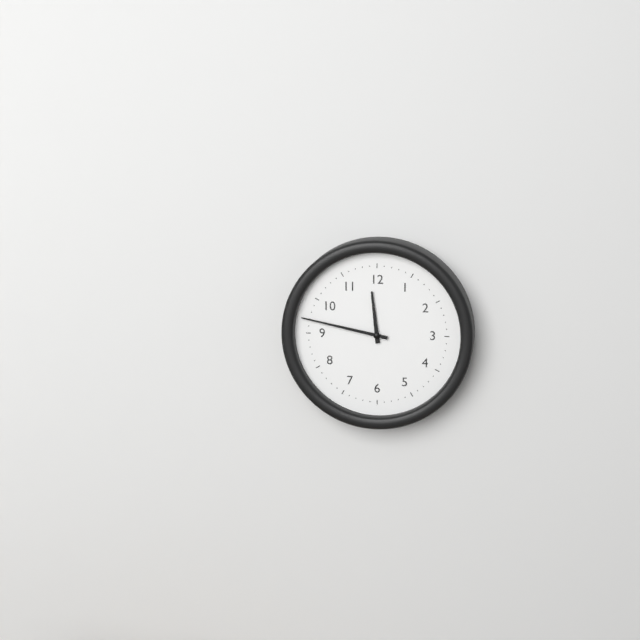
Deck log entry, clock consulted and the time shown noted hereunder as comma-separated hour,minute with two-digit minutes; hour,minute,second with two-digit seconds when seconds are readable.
11,47
